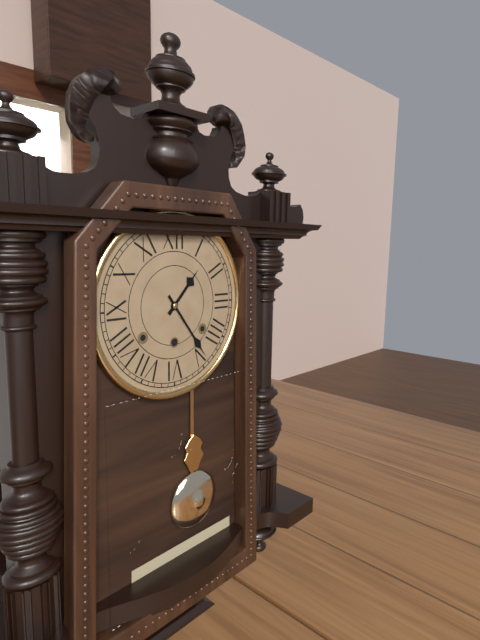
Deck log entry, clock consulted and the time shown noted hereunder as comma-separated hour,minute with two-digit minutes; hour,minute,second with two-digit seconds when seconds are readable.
1,24
